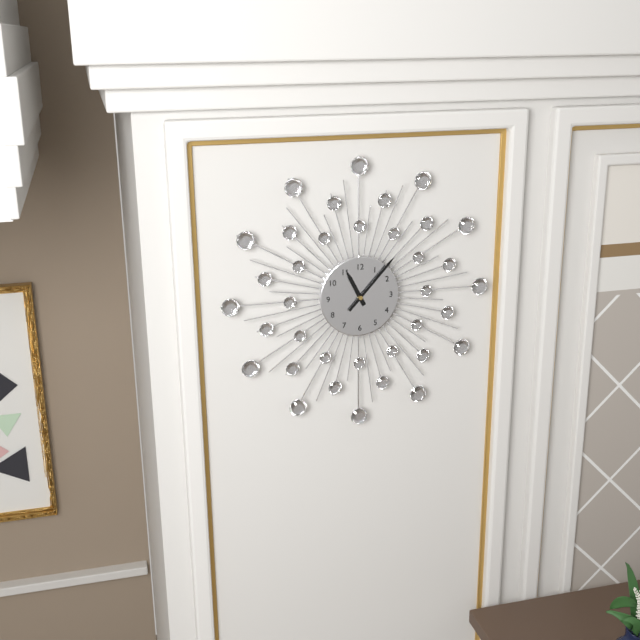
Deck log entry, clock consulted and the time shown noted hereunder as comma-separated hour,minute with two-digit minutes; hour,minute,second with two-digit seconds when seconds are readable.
11,07
